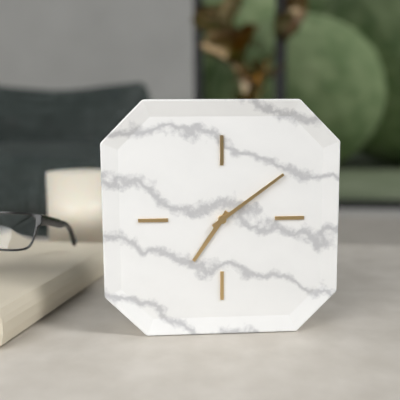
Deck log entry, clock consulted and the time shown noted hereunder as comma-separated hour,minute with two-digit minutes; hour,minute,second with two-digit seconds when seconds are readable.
7,09
